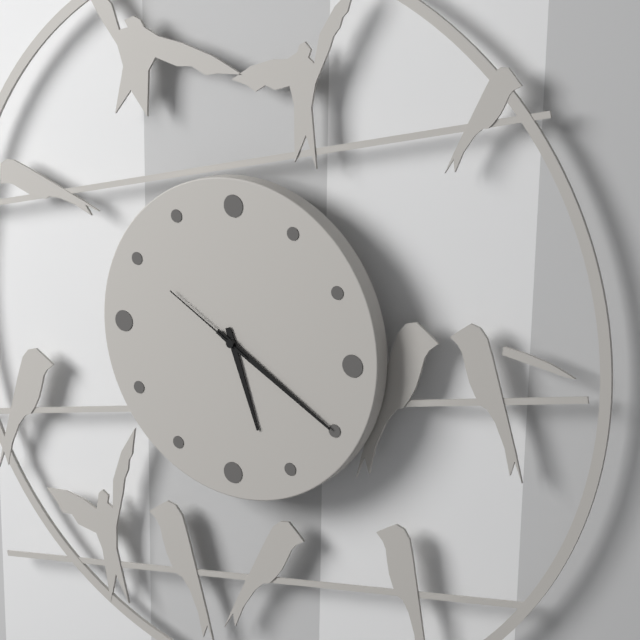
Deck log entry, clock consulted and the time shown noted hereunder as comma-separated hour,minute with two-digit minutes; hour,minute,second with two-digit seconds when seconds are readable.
5,20,50
